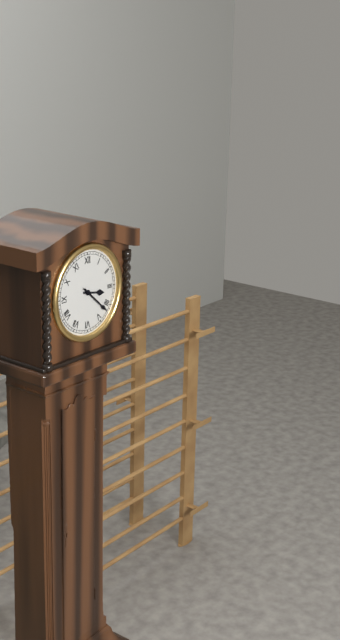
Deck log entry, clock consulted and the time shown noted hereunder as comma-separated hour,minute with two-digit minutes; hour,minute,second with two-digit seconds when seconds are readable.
3,22
